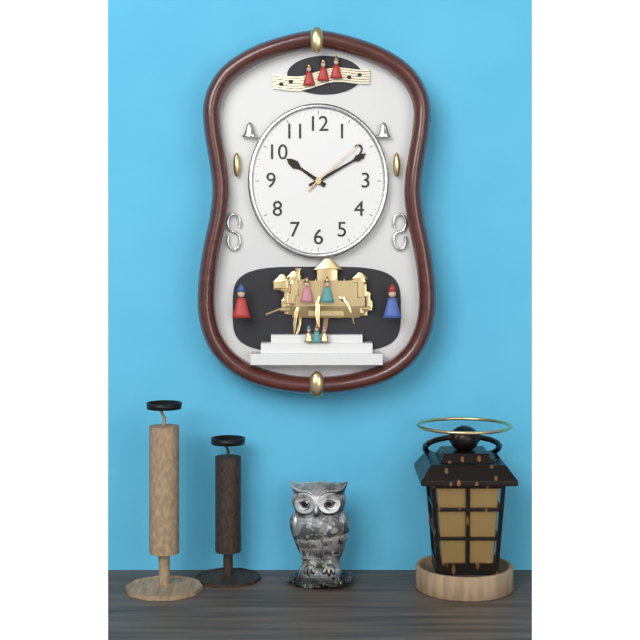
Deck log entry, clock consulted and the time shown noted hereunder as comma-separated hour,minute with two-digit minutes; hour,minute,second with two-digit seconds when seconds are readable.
10,10,08
